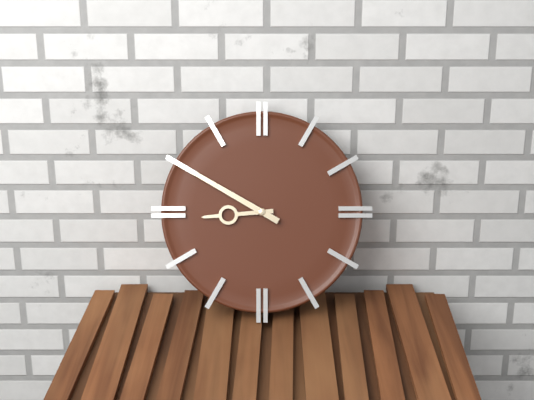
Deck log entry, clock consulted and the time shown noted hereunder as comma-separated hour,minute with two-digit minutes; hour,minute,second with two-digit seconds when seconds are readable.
8,50
